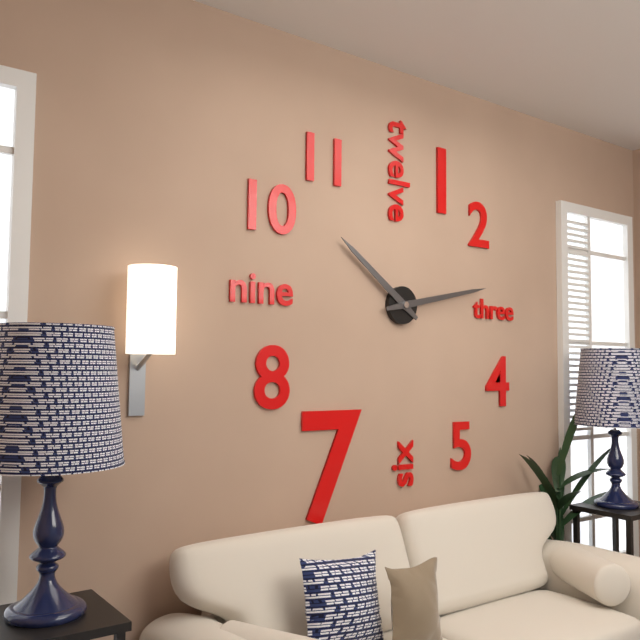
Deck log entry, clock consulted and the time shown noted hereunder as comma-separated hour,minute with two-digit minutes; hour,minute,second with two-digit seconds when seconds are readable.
10,13
